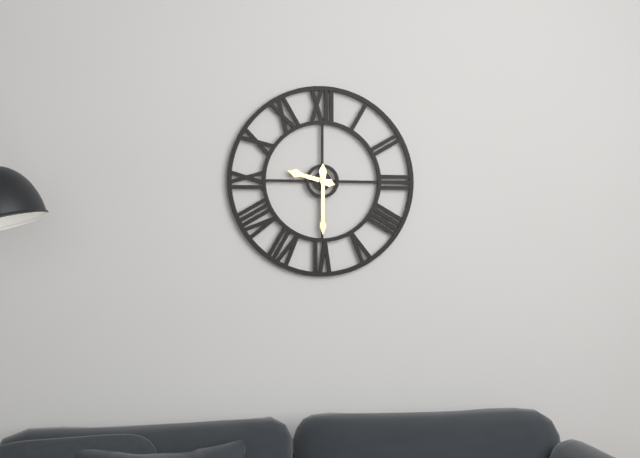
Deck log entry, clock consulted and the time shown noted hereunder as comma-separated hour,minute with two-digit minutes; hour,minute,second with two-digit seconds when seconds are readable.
9,30
